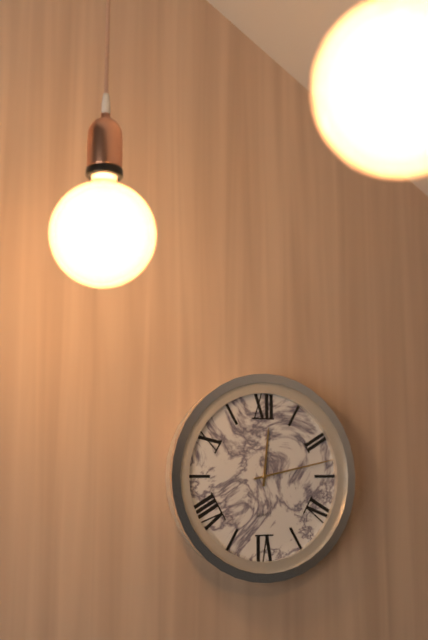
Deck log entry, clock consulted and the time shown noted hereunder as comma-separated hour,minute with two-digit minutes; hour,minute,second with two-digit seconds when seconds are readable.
12,13
